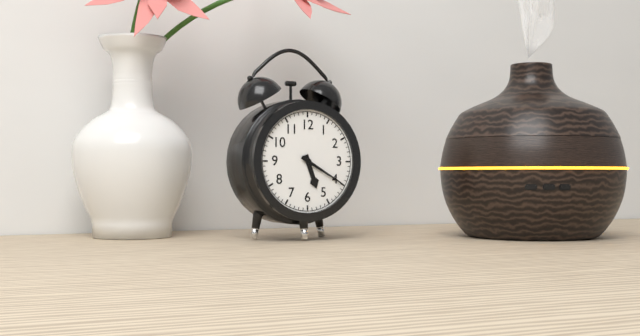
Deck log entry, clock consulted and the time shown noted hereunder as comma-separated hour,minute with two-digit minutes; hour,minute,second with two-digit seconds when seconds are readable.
5,20
